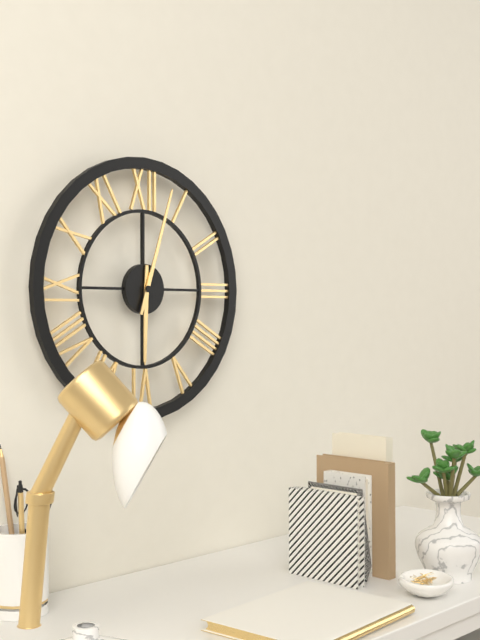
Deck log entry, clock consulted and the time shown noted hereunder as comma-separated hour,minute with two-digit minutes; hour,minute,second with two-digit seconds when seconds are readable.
6,03
